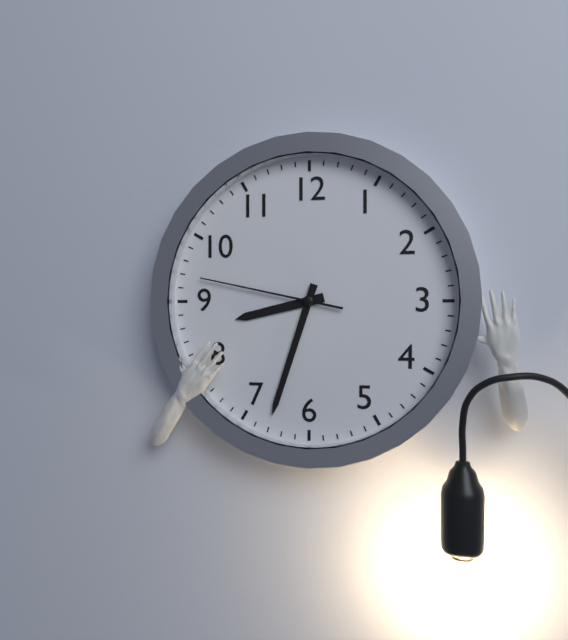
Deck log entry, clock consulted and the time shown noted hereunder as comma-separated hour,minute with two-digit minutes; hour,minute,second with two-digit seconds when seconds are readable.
8,33,47
